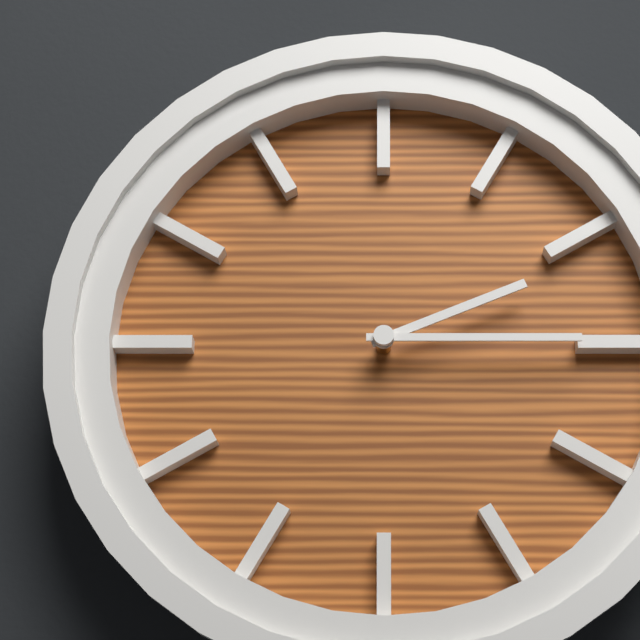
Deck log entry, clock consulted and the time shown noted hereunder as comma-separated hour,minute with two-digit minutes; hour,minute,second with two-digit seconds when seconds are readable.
2,15
